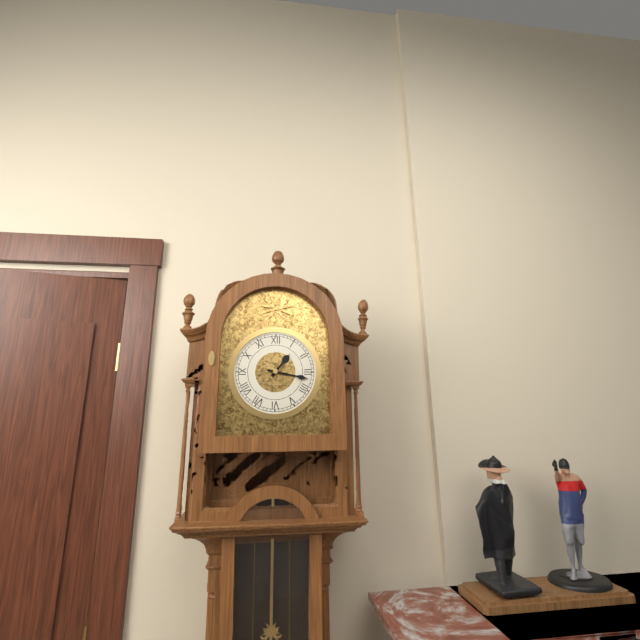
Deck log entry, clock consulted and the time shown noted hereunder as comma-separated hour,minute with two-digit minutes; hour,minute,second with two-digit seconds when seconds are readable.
1,17
